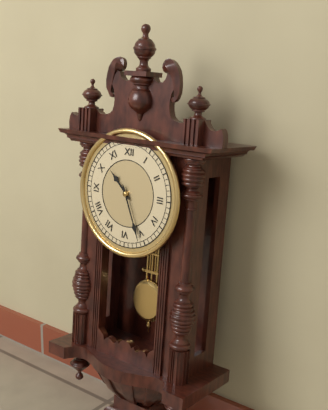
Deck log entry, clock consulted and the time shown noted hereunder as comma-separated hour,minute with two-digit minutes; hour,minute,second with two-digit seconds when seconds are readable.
10,26
